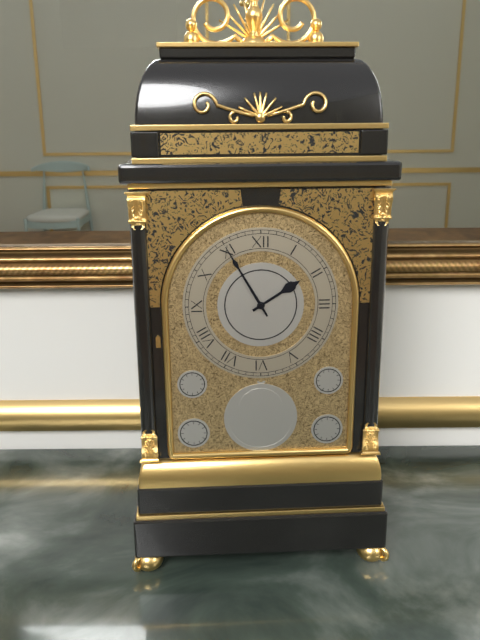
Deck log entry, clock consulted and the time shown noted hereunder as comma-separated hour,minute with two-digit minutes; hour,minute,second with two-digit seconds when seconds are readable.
1,55
